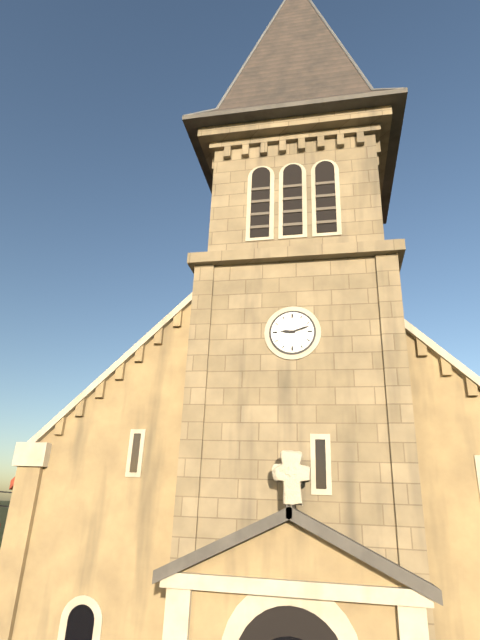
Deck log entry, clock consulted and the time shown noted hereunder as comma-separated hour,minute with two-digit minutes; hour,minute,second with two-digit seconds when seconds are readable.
9,12
